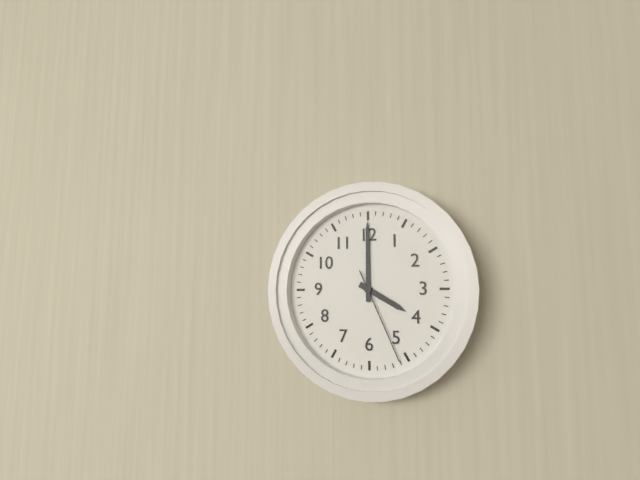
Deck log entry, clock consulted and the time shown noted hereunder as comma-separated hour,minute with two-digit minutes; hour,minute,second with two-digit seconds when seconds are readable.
4,00,26
